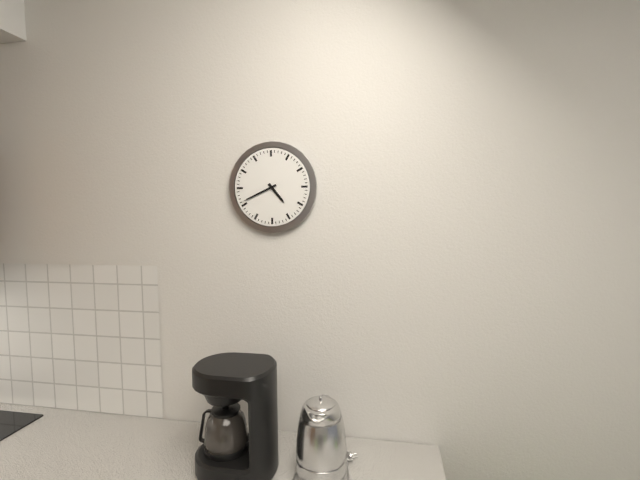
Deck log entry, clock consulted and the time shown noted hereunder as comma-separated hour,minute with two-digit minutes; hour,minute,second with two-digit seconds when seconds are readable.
4,41
